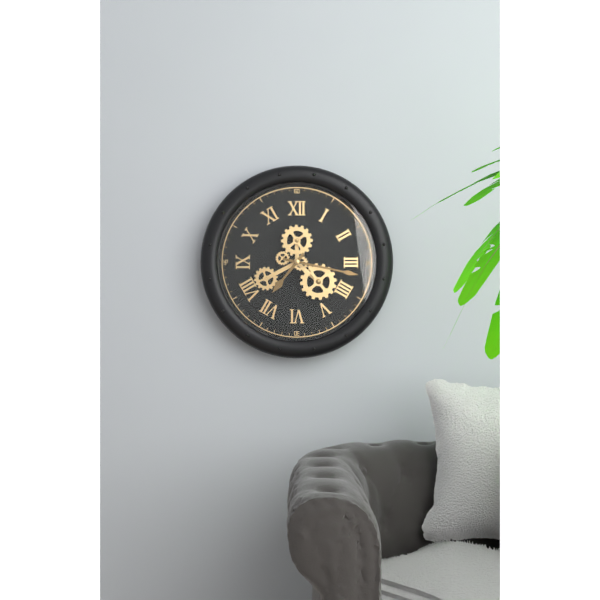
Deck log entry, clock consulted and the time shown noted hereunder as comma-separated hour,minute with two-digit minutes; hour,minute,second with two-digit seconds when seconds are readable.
7,17
